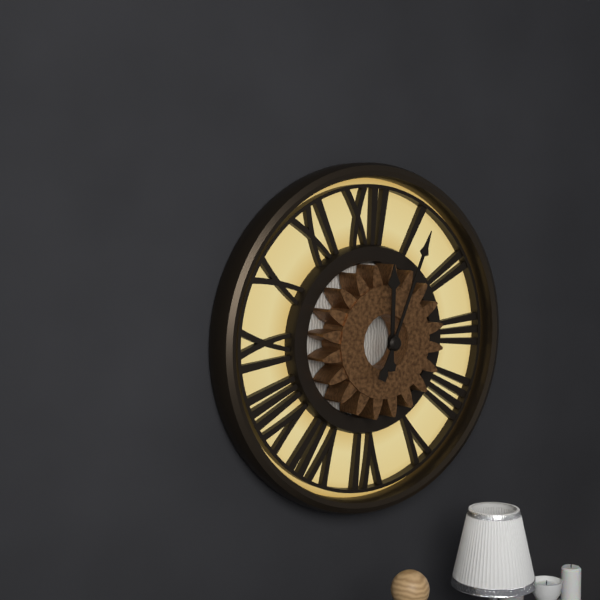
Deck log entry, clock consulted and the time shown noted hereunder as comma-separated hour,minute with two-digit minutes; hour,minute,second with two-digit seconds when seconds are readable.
12,04
